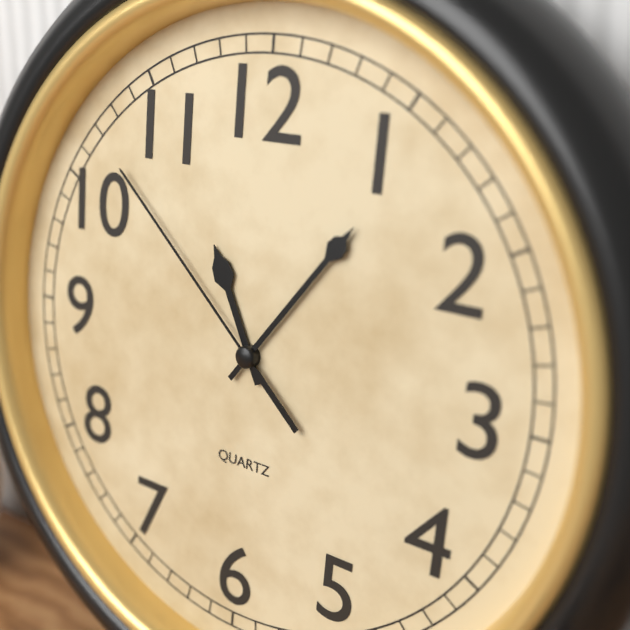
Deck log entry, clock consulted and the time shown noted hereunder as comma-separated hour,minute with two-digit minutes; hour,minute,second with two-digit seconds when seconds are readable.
11,06,52
